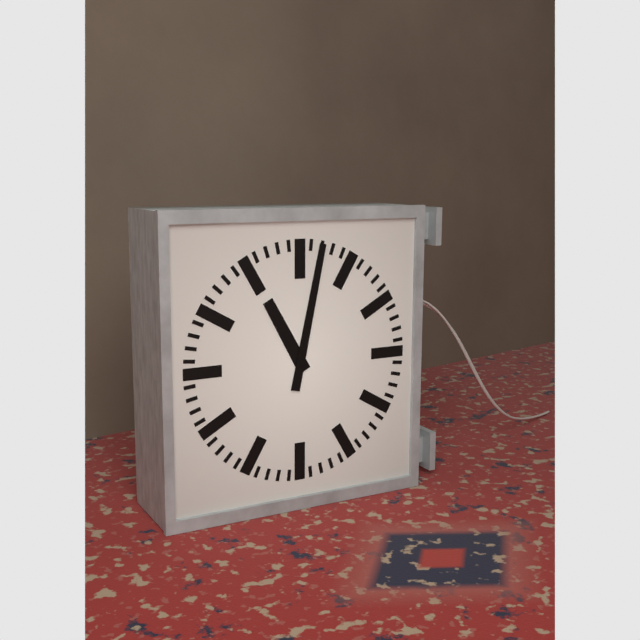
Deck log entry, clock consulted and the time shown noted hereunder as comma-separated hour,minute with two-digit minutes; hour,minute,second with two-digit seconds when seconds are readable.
11,02
